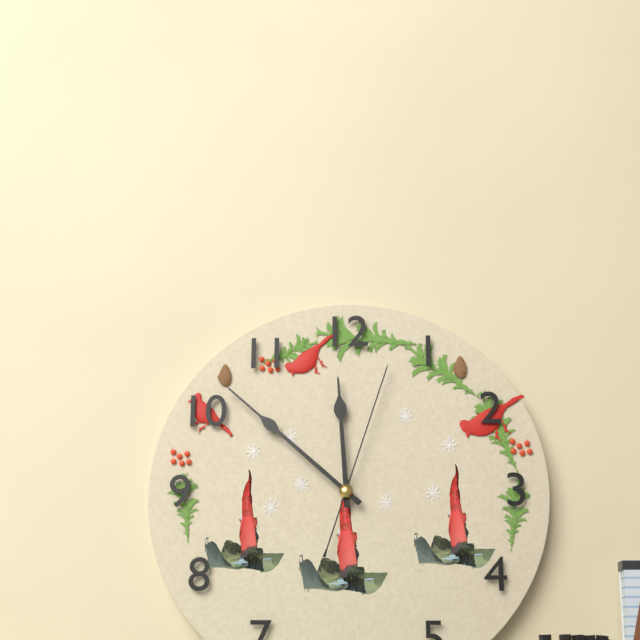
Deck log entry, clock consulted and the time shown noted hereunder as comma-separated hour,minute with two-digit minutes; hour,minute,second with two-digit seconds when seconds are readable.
11,52,03
